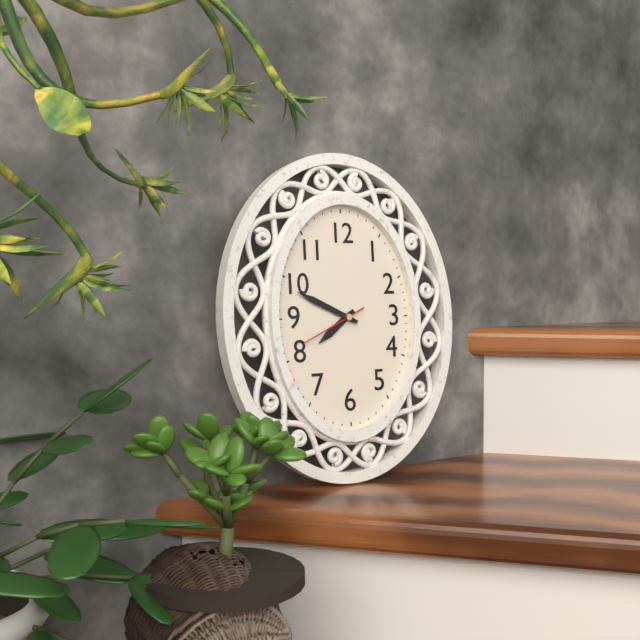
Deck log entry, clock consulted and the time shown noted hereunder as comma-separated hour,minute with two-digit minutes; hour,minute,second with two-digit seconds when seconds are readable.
7,49,41
